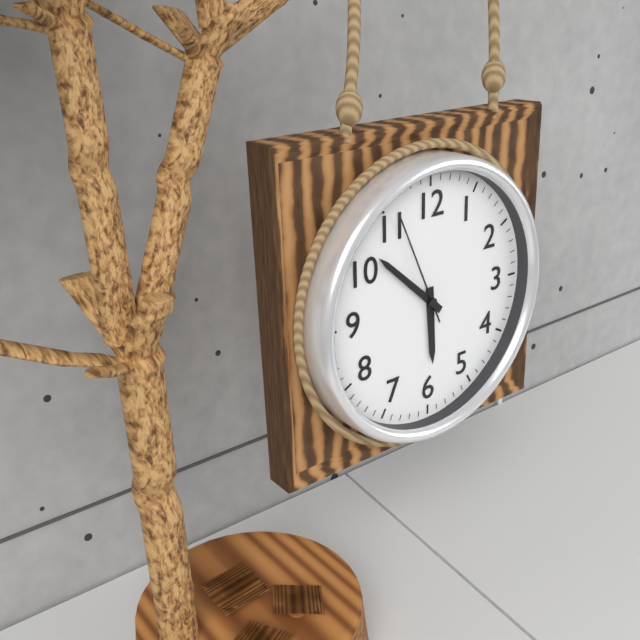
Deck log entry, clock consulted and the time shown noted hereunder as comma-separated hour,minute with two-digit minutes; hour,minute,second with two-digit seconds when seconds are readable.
5,52,56
